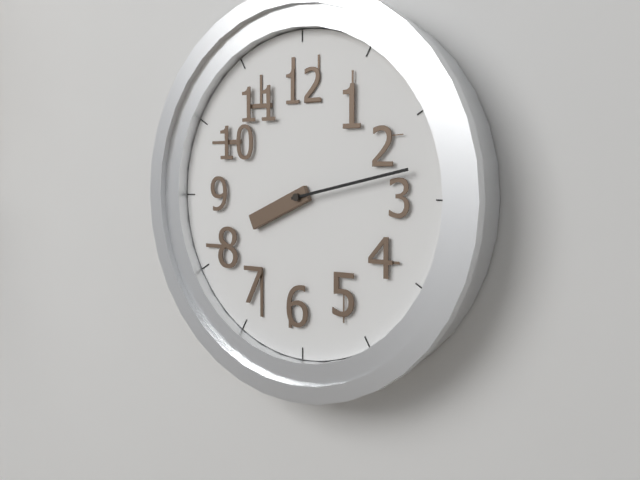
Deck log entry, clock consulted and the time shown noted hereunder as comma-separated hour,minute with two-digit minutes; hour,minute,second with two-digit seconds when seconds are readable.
8,13
